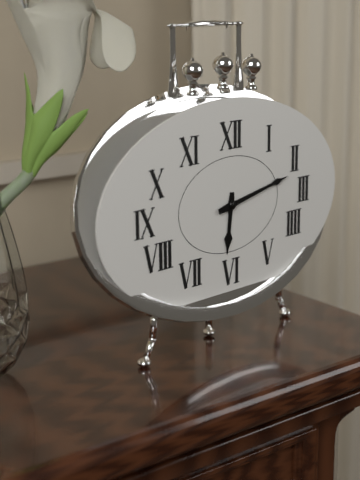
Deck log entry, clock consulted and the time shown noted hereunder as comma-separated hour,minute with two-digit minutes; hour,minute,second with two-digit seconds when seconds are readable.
6,13
